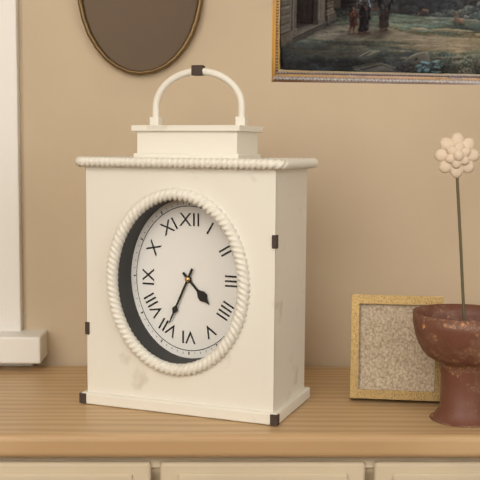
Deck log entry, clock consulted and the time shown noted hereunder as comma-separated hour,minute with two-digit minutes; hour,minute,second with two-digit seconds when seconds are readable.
4,34
